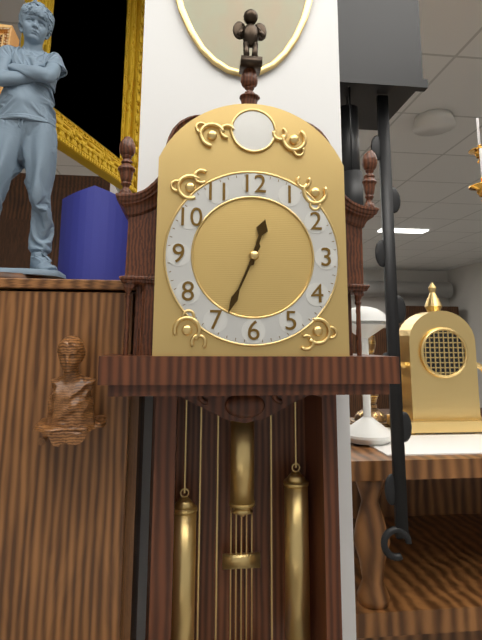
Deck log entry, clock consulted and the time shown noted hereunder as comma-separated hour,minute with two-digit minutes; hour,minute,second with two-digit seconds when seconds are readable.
12,34
